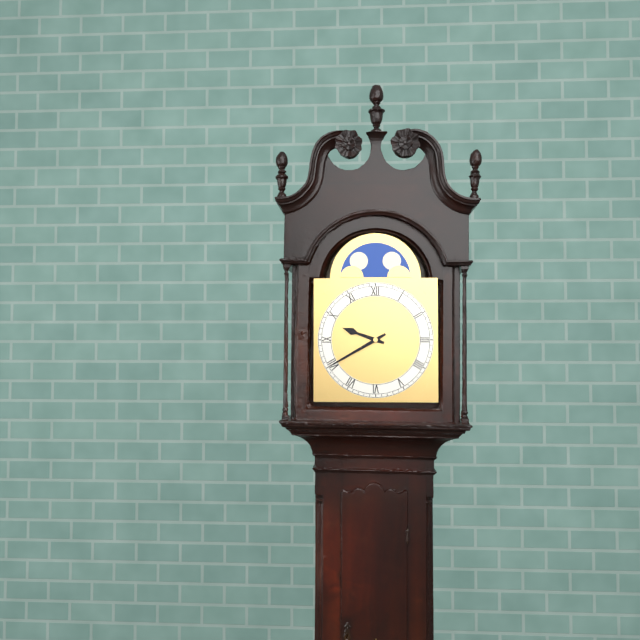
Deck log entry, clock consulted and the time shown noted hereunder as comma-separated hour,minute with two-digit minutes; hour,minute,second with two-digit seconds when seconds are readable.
9,40
